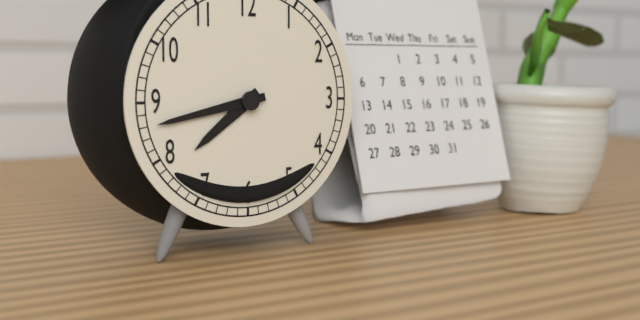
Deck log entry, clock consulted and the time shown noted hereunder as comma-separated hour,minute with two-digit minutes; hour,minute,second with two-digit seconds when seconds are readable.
7,43
